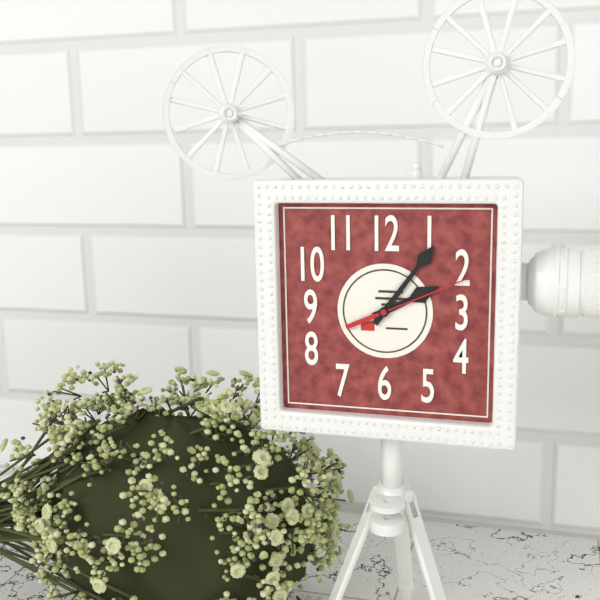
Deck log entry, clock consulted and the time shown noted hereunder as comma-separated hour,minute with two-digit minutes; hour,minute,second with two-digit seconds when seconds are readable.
2,06,11
